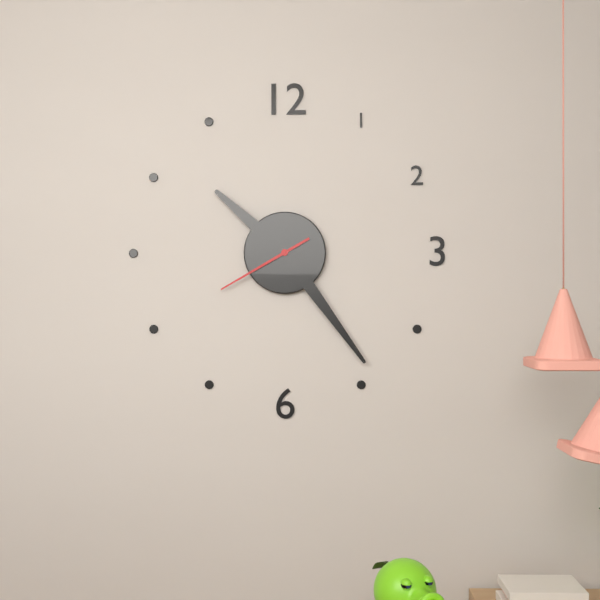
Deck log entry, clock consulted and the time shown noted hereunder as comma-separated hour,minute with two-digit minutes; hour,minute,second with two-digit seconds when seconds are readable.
10,24,40
